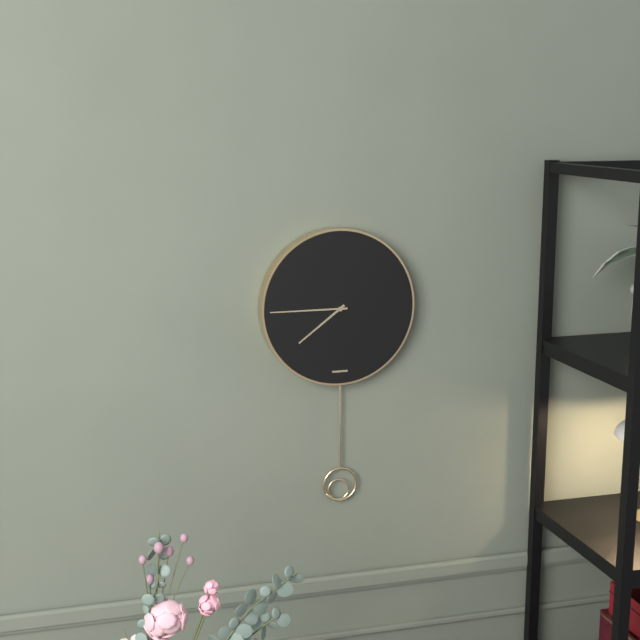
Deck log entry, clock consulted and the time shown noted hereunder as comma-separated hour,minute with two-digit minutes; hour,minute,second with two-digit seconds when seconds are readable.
7,45
